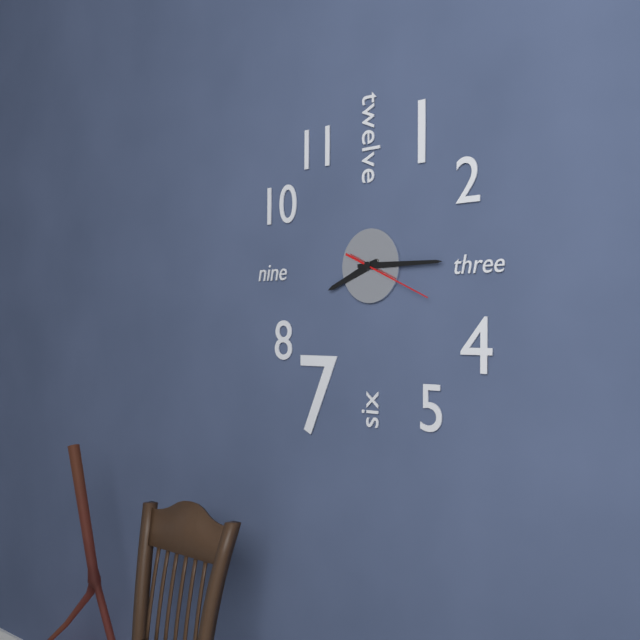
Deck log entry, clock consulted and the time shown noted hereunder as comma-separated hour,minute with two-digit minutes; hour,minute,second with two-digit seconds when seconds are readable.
8,15,19
